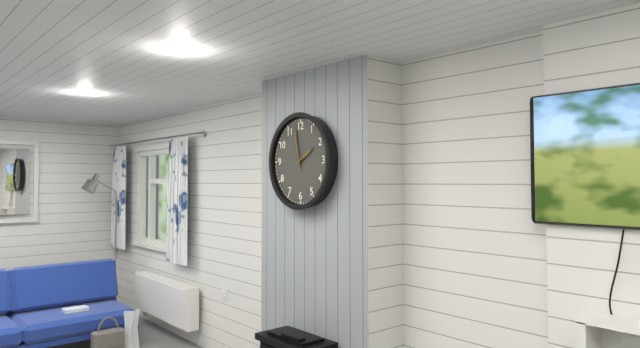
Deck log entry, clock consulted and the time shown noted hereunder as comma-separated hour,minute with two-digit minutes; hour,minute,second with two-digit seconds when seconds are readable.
1,58
